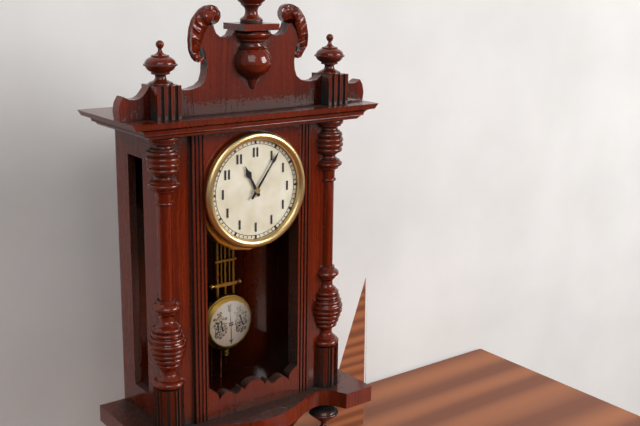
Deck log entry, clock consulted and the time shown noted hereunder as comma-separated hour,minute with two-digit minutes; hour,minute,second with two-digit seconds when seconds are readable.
11,06
